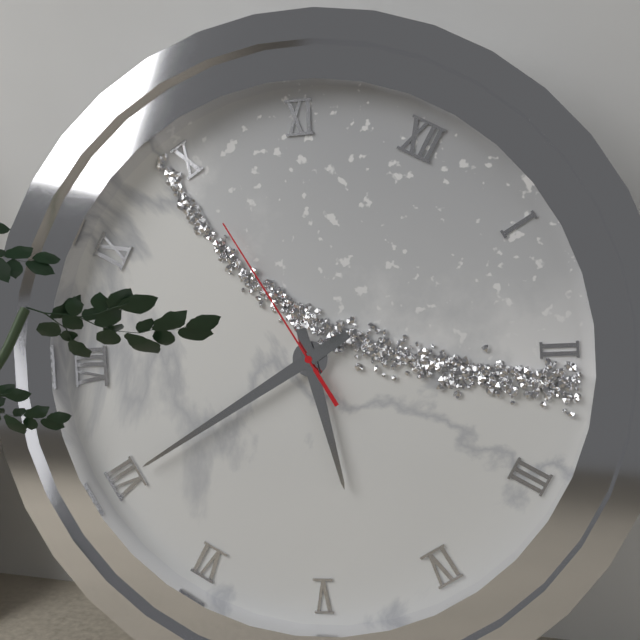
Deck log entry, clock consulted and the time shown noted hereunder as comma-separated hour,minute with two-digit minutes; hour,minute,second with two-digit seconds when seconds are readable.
4,35,50
